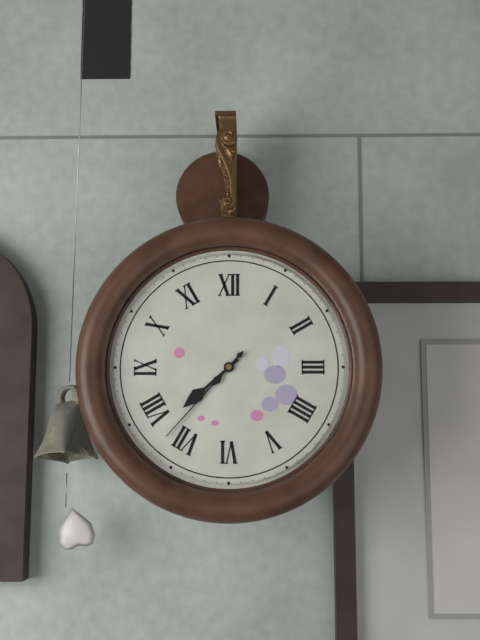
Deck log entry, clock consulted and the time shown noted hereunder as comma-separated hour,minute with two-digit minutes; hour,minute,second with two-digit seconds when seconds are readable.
7,37
